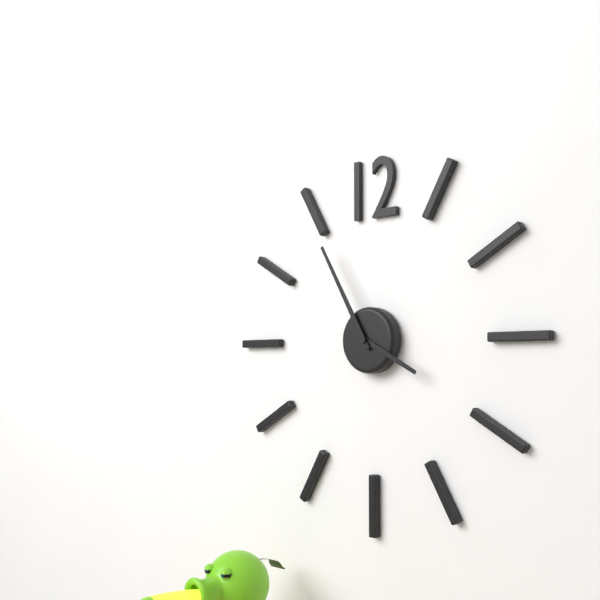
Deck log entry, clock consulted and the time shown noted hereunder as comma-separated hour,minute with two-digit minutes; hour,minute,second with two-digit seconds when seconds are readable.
3,55
